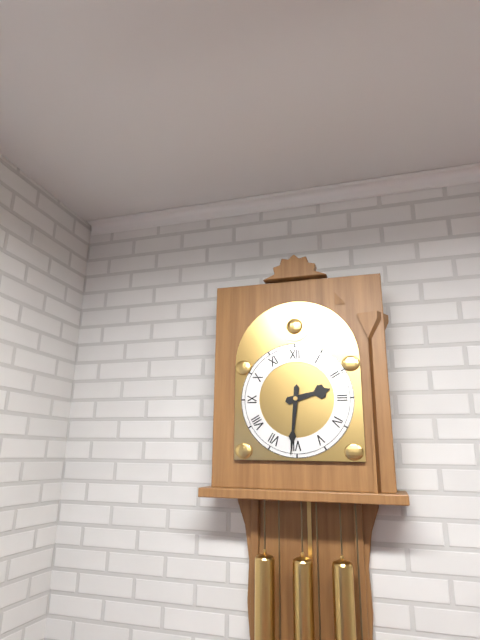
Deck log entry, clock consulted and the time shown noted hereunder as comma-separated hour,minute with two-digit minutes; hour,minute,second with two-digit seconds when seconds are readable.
2,31
